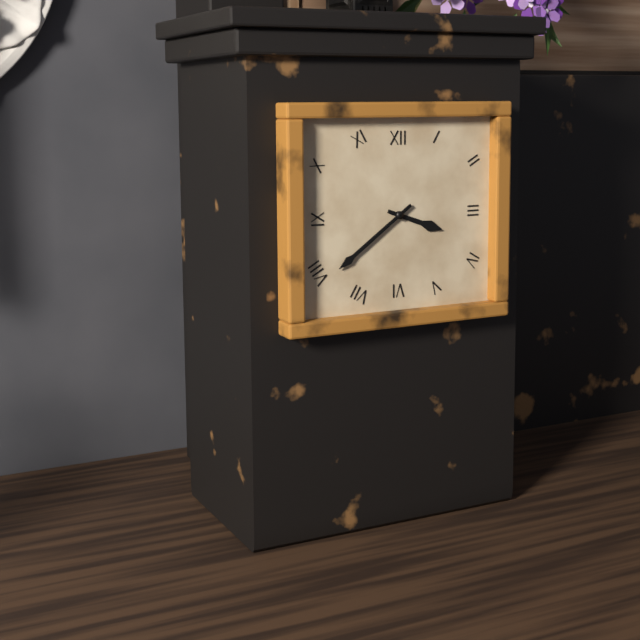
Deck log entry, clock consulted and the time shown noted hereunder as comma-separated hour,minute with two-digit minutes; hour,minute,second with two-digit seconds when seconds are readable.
3,39
